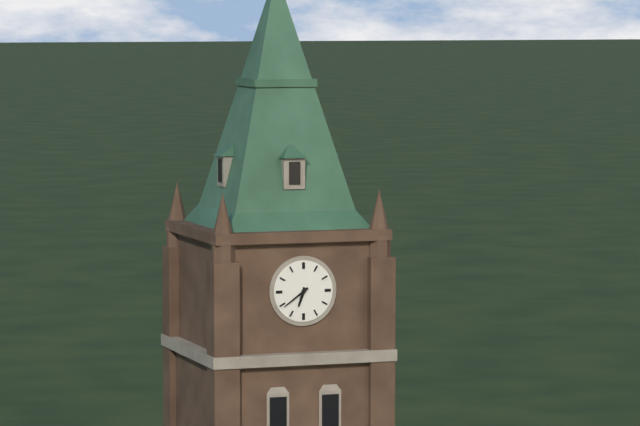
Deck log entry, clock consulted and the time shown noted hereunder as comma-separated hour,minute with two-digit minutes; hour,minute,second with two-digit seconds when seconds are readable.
6,39
